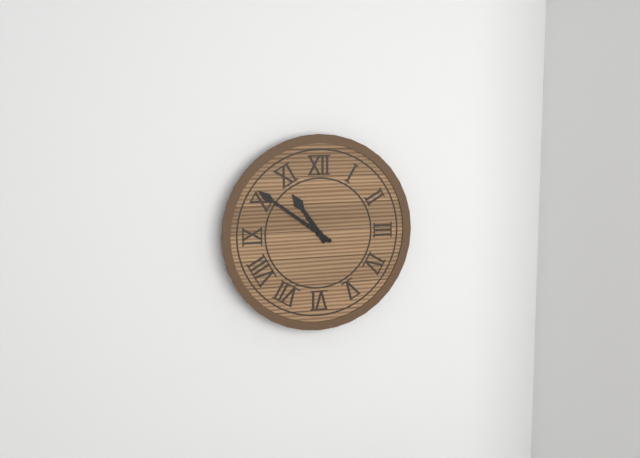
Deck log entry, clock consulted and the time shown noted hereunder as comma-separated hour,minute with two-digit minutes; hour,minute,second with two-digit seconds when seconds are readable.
10,51
